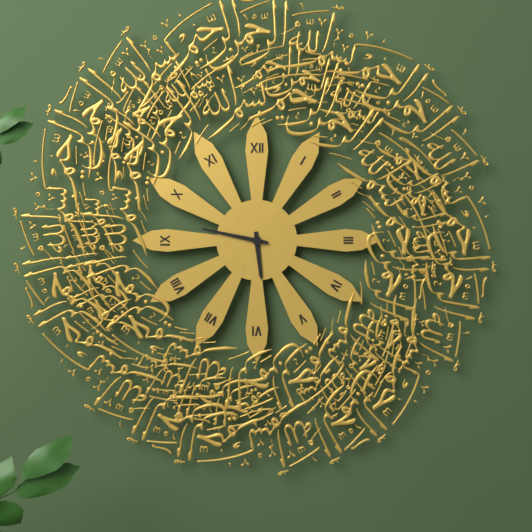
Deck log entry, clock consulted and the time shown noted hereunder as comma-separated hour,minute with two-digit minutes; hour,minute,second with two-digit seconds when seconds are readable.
5,47
